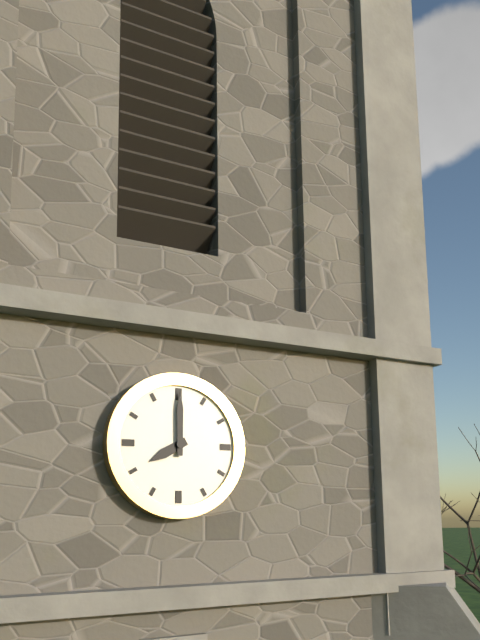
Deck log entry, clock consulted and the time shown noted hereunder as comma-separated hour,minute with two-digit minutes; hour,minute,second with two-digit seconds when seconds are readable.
8,00
